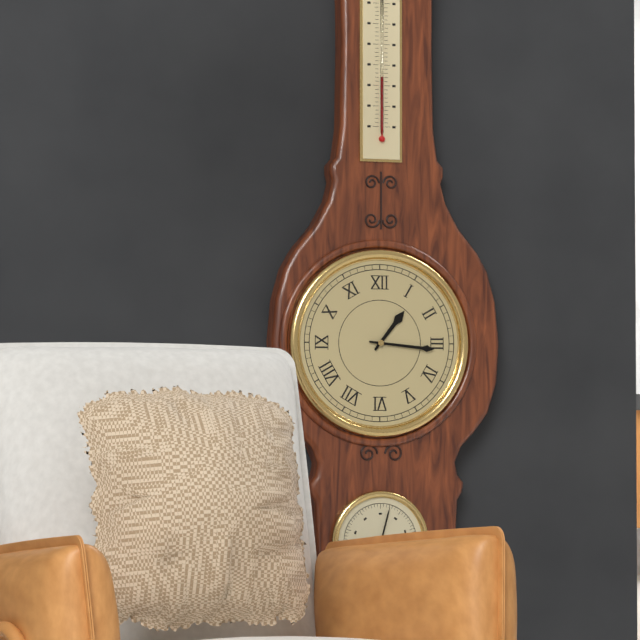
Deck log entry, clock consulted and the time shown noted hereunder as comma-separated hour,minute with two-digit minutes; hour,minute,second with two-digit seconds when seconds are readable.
1,16
